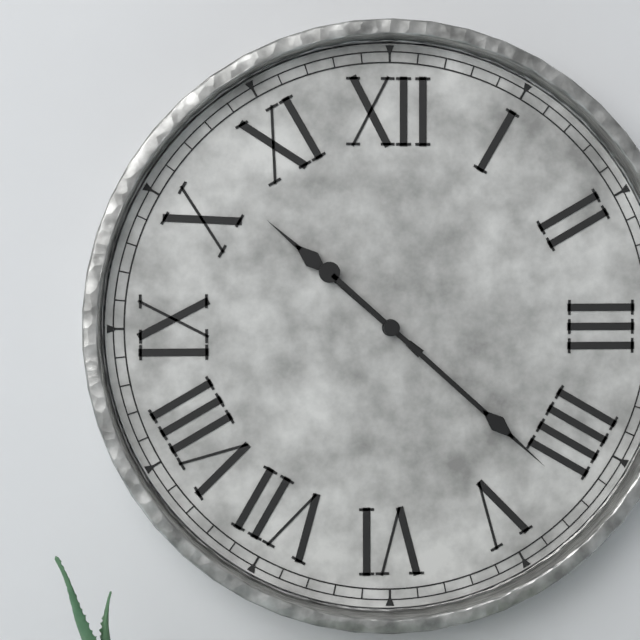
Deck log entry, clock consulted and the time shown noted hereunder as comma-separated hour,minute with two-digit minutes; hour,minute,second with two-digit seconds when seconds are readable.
10,22
